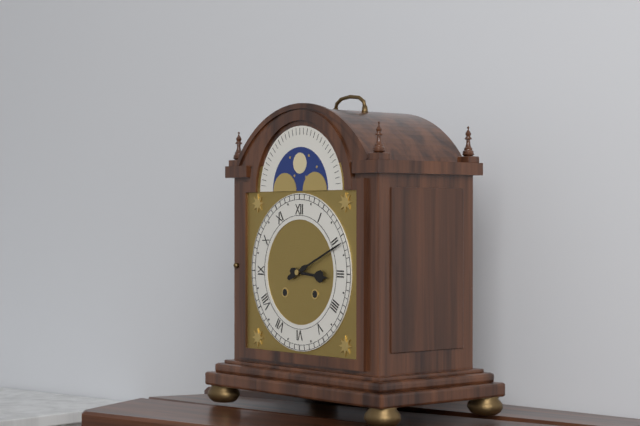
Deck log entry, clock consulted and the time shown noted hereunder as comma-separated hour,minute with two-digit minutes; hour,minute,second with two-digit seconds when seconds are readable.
3,11
